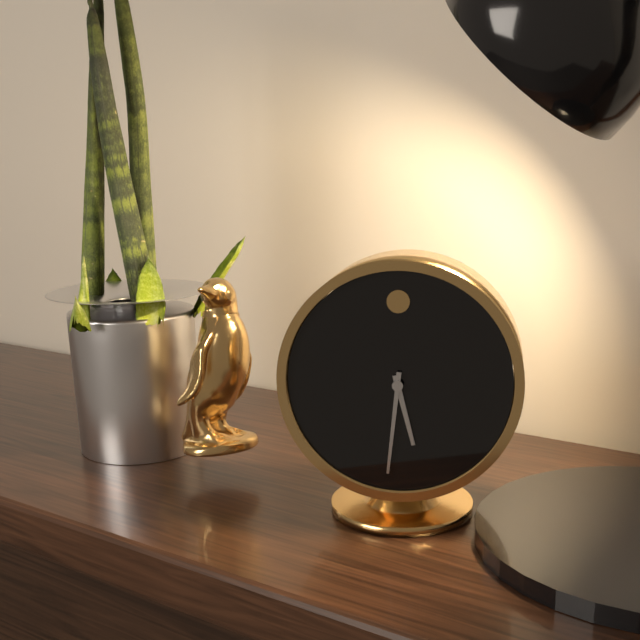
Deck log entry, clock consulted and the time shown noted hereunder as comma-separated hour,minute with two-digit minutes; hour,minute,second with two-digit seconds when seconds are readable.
5,31
